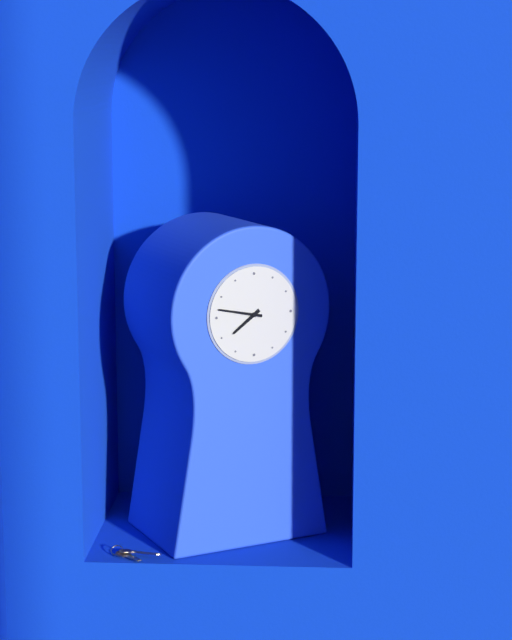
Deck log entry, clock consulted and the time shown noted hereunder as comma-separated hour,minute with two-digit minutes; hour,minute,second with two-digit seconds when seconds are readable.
7,47
